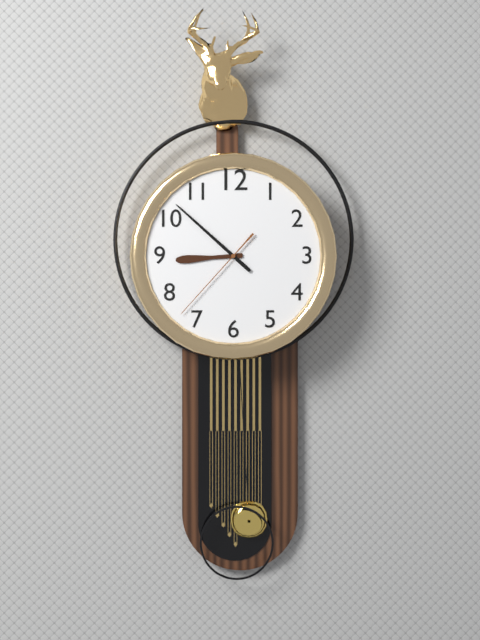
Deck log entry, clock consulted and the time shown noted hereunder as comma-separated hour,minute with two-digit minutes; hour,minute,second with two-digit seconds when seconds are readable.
8,52,37
